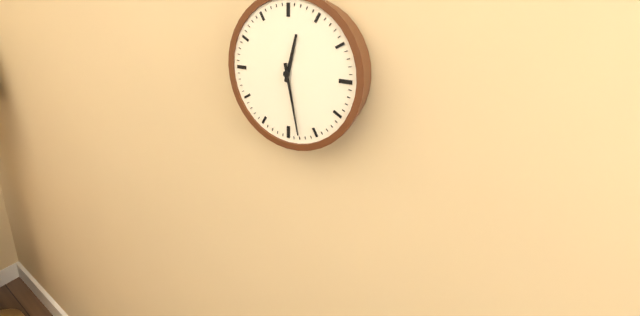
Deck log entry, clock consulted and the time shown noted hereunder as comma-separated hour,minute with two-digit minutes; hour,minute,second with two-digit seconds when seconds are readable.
12,28
